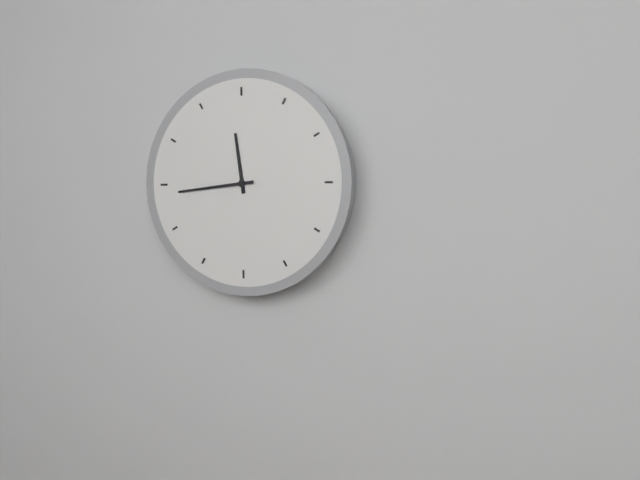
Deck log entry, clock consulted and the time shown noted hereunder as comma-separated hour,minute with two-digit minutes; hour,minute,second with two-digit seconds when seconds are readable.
11,44
